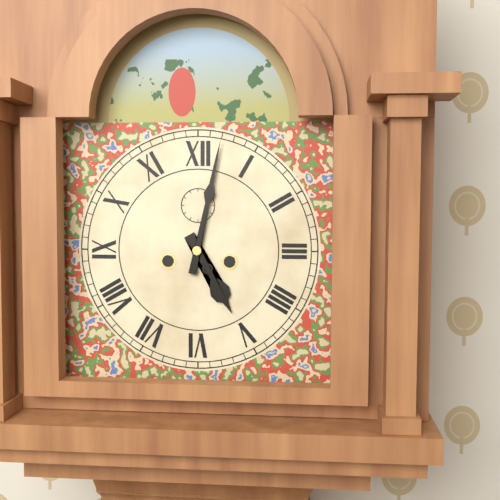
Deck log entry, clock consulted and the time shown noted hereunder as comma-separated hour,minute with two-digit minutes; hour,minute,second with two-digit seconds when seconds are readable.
5,02
